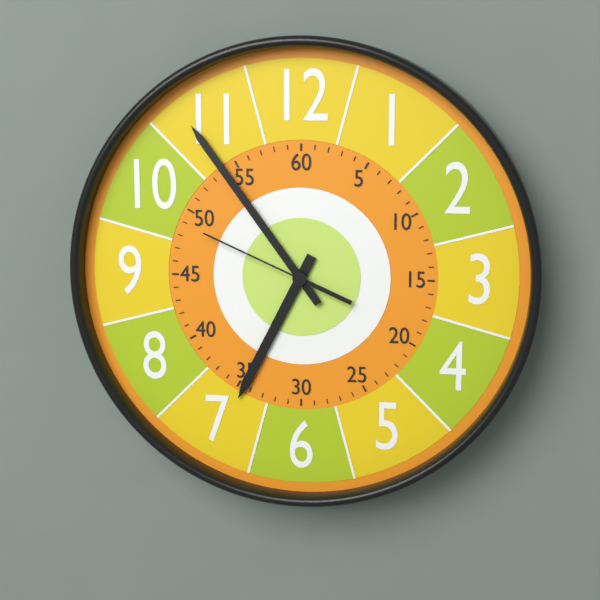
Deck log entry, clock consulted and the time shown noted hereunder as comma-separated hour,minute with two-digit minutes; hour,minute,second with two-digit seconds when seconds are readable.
6,54,49
